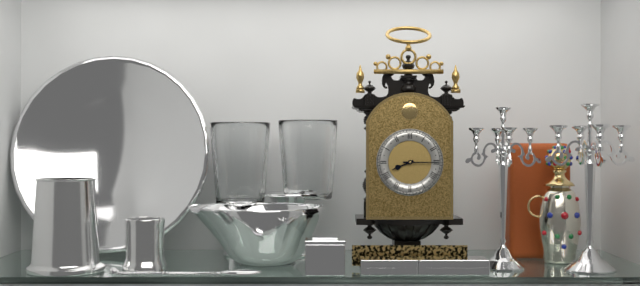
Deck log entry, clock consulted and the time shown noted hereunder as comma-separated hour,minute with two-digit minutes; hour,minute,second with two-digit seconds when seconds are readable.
8,15
